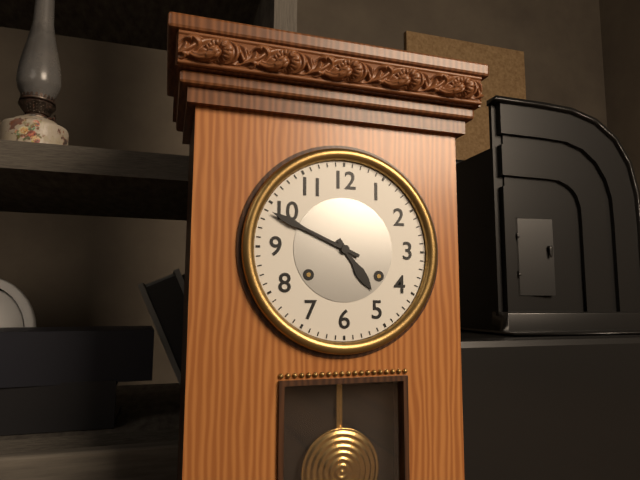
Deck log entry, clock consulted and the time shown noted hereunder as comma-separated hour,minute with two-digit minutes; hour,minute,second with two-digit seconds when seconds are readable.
4,49
